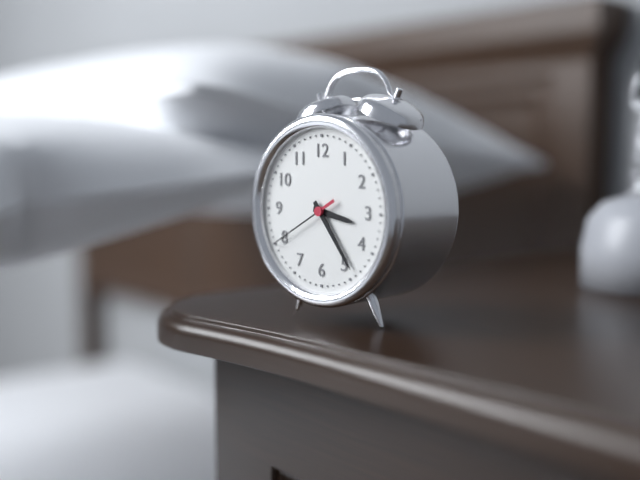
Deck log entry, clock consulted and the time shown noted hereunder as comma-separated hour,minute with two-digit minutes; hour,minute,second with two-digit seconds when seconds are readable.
3,24,40
